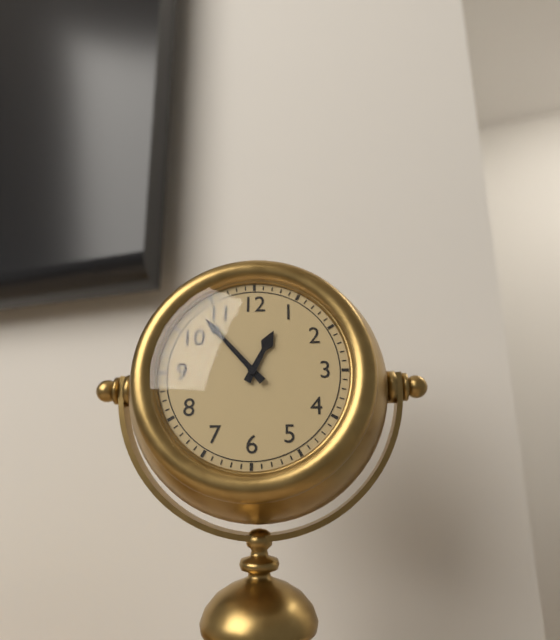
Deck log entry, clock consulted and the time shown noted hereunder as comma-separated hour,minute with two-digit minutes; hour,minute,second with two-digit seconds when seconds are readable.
12,53
